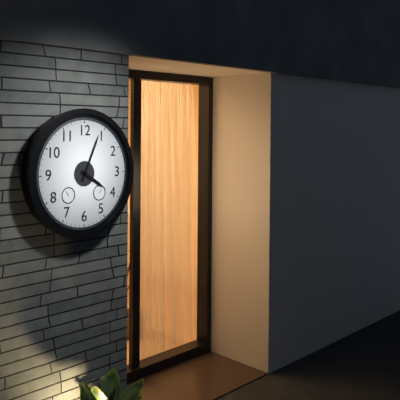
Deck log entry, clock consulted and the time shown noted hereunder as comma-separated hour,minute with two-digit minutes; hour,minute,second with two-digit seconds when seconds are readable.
4,04
